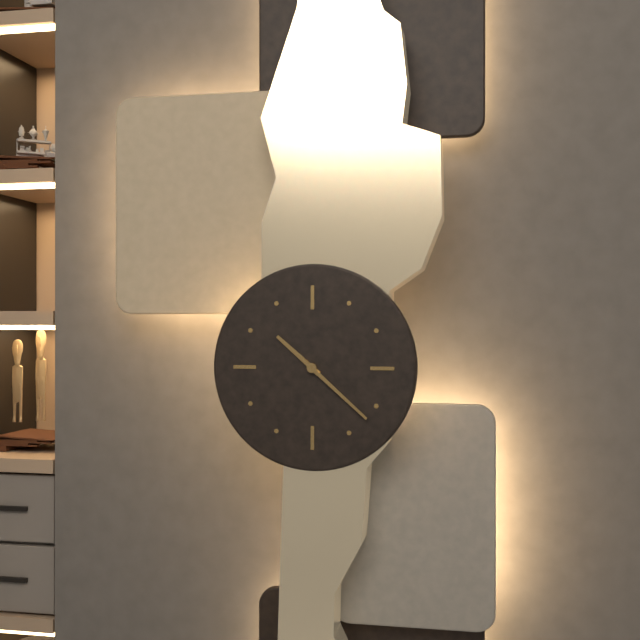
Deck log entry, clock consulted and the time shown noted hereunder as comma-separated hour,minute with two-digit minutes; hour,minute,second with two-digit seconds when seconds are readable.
10,22
